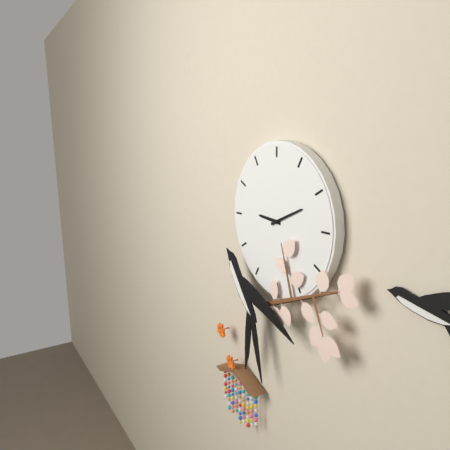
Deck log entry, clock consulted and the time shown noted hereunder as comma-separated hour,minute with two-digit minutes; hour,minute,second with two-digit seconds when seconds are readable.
9,11
